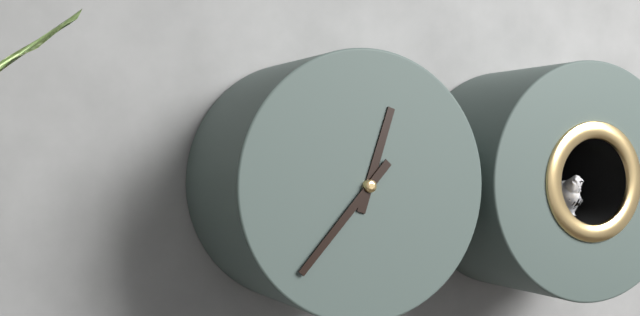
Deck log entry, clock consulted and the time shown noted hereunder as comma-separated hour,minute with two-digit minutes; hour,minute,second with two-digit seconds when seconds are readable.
12,37
